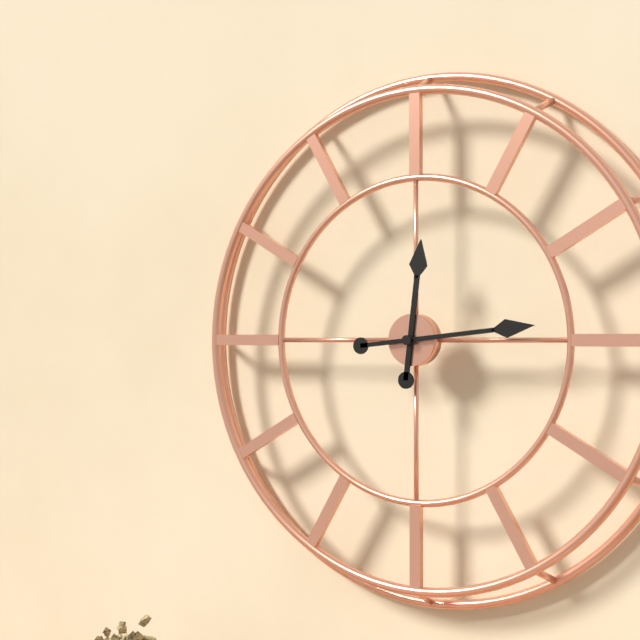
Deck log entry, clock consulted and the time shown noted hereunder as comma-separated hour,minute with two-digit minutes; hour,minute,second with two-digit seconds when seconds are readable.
12,14
